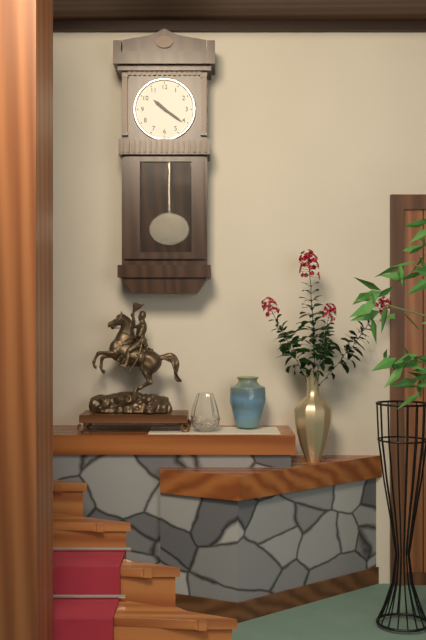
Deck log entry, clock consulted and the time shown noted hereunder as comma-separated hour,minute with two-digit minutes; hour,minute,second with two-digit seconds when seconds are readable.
10,21
